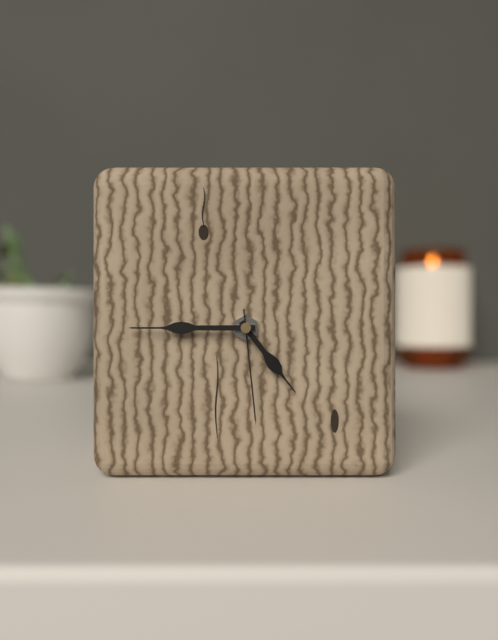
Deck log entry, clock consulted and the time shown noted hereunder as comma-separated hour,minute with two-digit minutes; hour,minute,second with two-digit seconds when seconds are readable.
4,45,29
